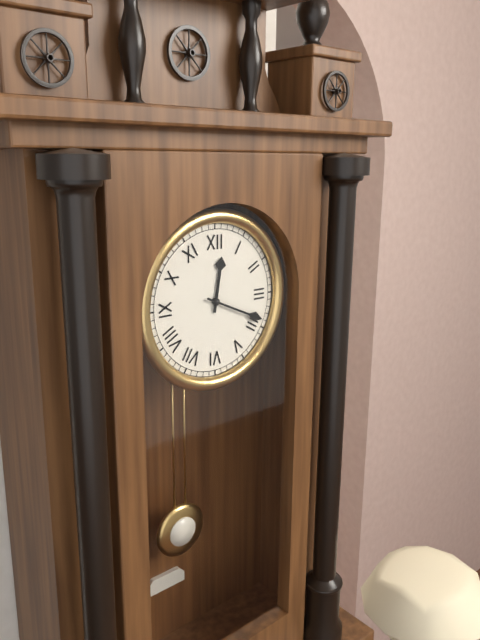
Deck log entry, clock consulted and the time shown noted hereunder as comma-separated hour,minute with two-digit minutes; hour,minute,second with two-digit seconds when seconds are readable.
12,19
